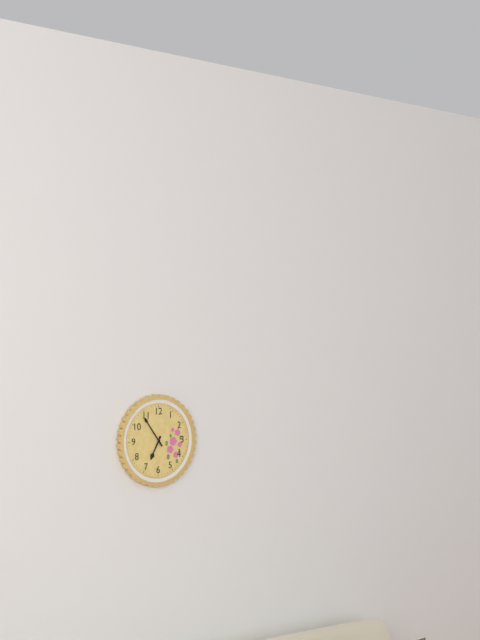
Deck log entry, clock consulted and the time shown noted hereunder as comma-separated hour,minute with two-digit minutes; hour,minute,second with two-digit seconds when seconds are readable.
6,54
